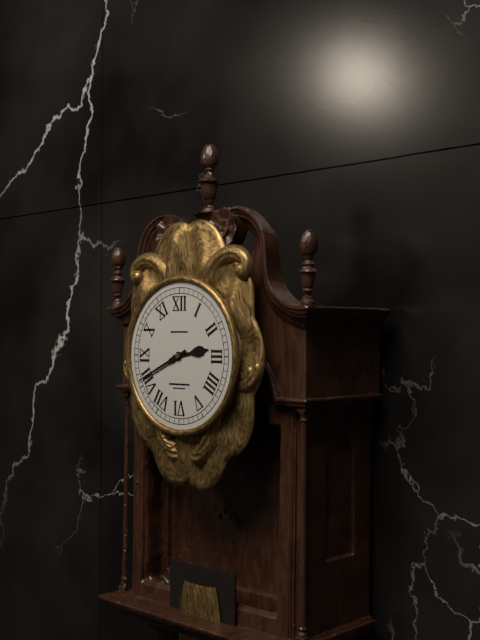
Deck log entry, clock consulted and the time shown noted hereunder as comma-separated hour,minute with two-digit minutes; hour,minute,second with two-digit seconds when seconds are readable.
2,41
